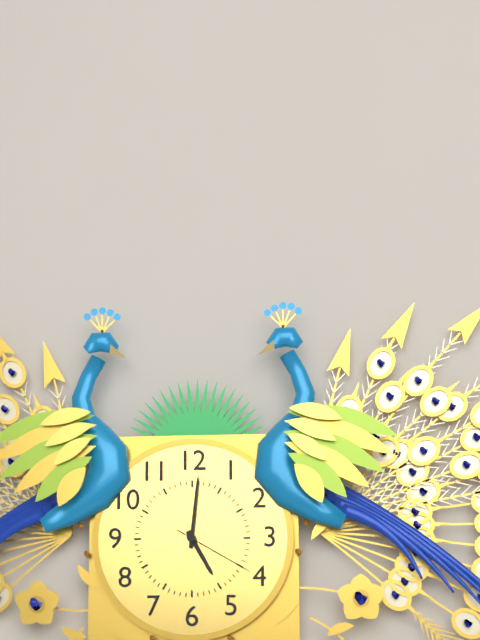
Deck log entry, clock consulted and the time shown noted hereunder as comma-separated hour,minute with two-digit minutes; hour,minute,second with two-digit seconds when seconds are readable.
5,01,20
